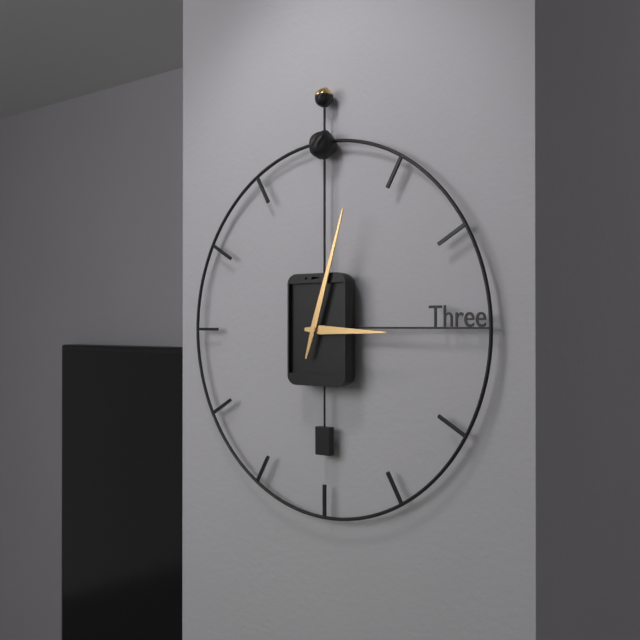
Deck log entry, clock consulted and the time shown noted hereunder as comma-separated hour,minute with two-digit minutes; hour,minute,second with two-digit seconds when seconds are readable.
3,03
